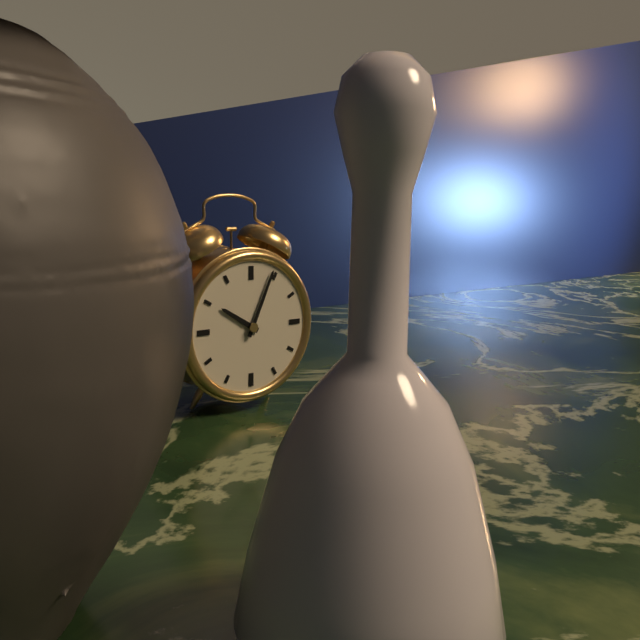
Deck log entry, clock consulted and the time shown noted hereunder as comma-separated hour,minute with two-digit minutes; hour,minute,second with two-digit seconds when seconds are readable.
10,04
